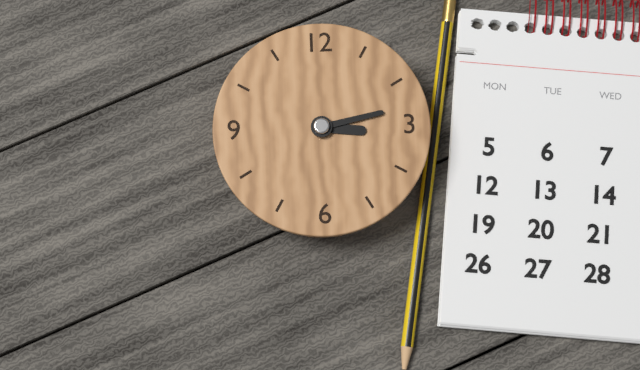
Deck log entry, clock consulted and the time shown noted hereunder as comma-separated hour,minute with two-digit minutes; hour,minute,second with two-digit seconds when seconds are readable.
3,13
